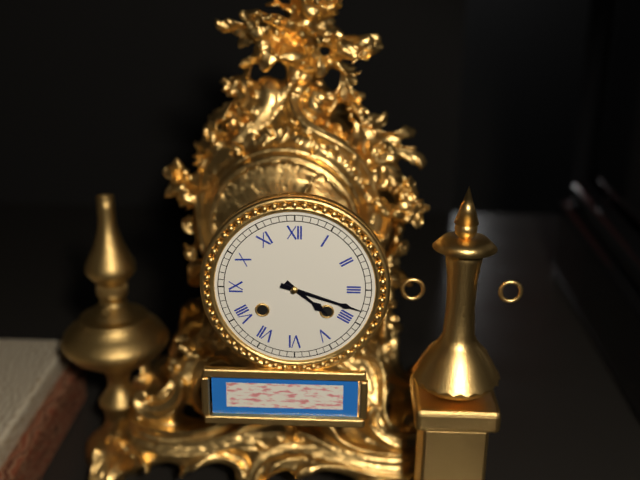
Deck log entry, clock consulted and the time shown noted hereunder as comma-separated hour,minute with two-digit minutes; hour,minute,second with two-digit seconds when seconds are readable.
4,18
